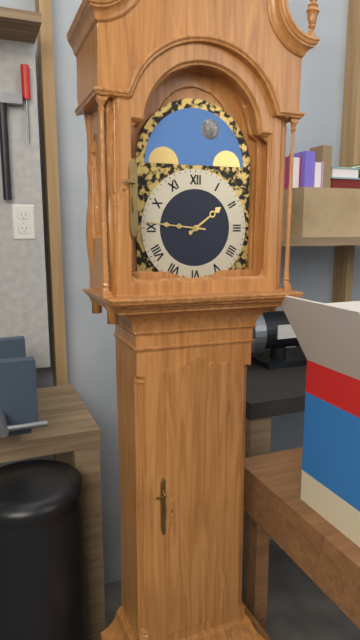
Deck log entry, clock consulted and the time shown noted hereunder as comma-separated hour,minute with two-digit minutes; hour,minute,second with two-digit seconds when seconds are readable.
1,46
